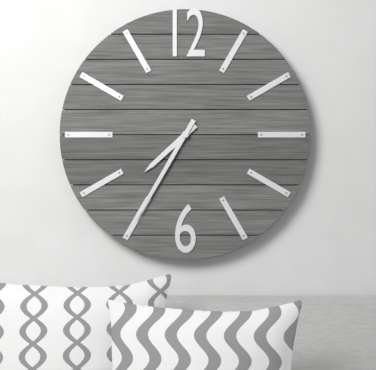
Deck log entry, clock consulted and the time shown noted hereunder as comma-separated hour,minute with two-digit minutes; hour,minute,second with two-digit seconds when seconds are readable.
7,35
